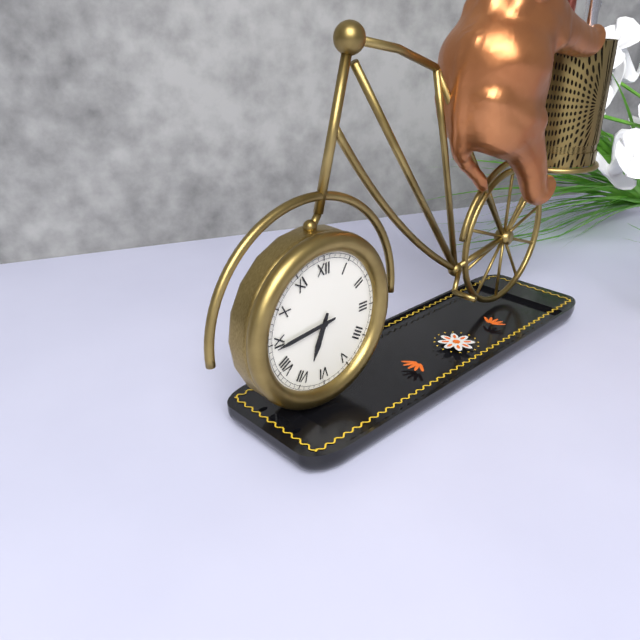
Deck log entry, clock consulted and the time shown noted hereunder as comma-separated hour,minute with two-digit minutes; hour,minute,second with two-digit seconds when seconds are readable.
6,44
